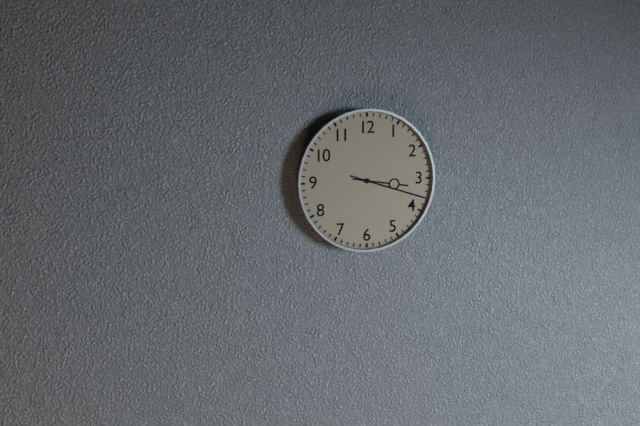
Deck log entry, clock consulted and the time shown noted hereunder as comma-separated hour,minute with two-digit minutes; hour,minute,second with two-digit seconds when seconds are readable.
3,18
